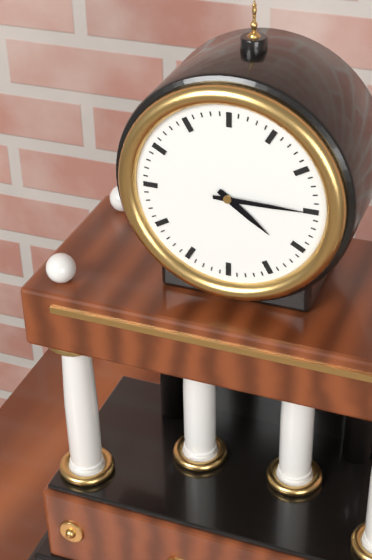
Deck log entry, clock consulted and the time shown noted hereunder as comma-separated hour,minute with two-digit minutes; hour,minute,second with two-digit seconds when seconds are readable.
4,15
